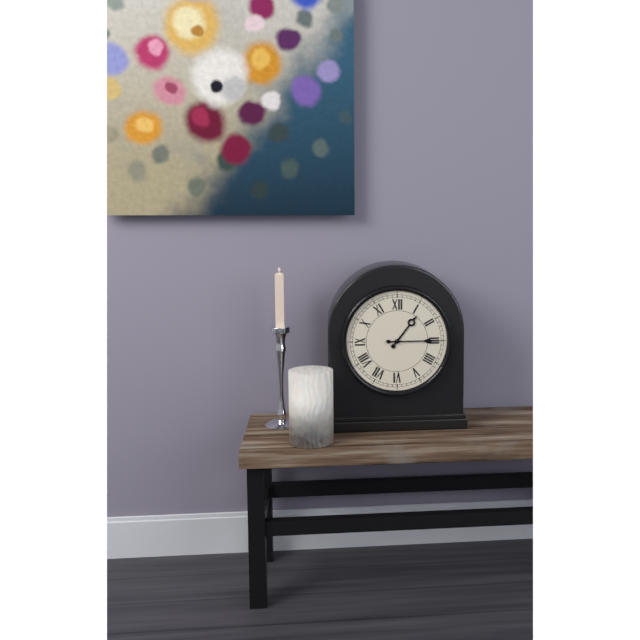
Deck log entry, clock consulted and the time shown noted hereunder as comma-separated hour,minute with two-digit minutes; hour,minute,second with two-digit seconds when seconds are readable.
1,15
